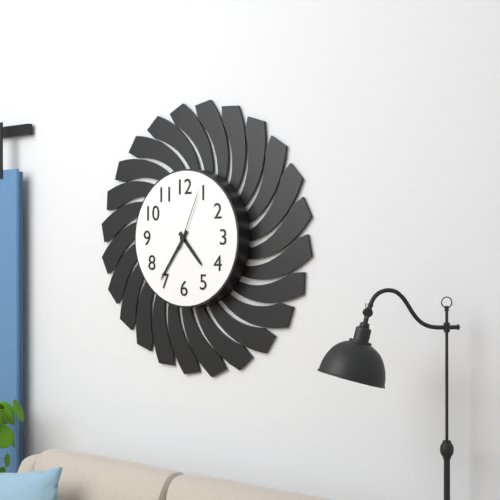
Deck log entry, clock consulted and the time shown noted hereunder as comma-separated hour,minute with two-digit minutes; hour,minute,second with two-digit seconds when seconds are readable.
4,36,04
